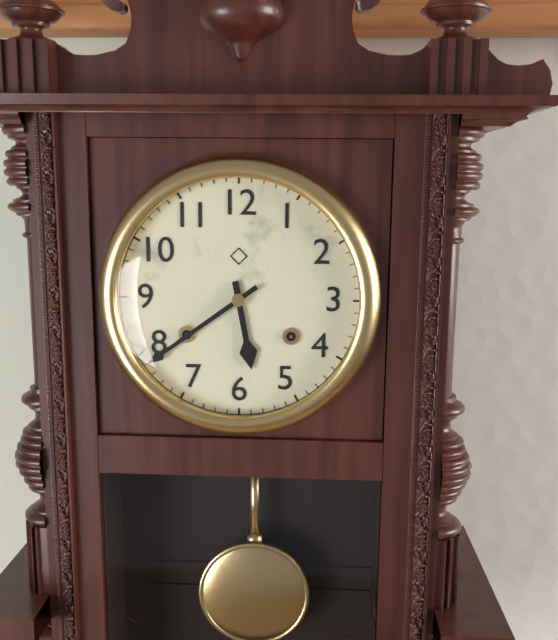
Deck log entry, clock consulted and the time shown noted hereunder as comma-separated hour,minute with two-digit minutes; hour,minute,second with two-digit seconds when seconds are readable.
5,39
